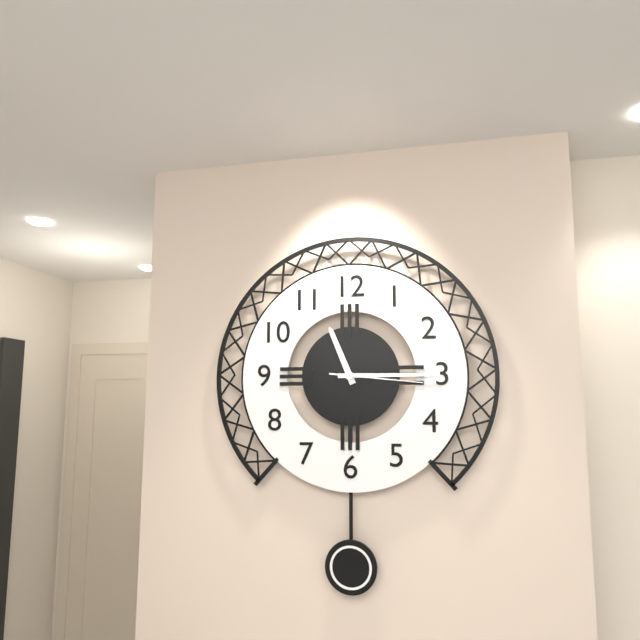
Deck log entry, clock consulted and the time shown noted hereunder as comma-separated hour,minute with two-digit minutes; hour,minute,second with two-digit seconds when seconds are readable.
11,15,16
